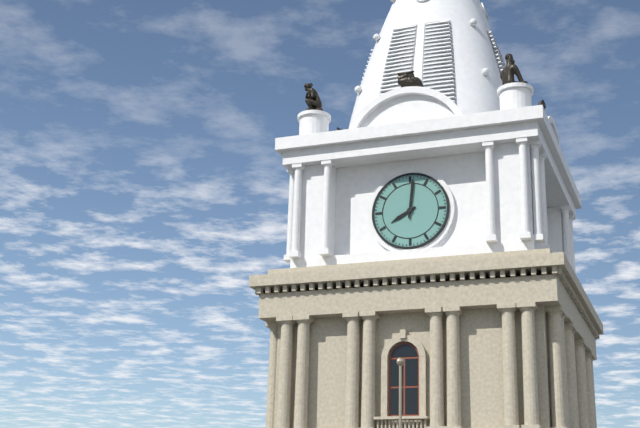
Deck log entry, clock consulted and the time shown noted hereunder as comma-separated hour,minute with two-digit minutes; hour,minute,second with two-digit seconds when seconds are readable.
8,01
